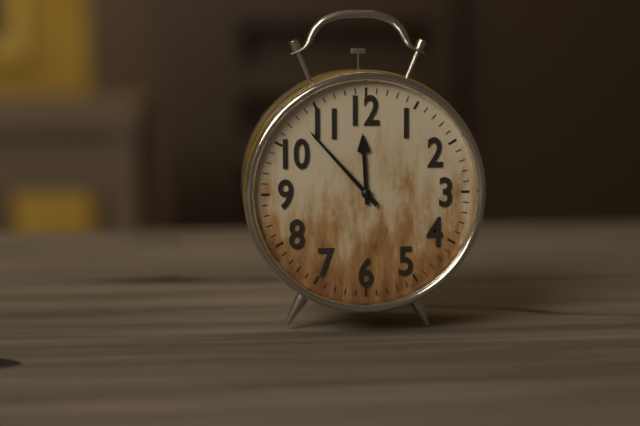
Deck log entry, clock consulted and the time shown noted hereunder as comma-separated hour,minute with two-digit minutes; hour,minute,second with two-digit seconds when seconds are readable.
11,53
